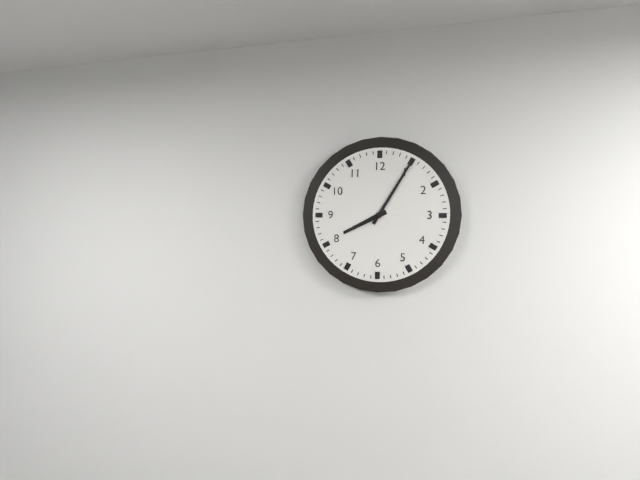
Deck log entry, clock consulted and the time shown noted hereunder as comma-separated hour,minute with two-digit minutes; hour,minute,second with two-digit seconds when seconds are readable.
8,05
